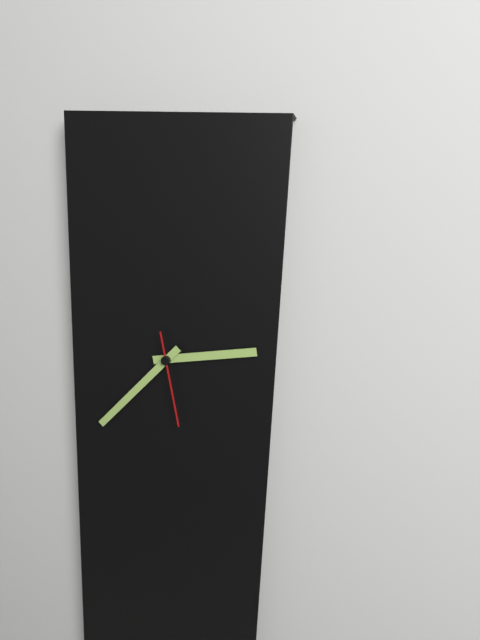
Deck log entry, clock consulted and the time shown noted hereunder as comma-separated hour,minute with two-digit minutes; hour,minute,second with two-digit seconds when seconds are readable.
2,37,28
